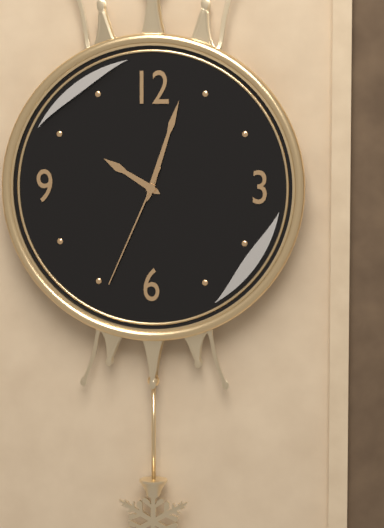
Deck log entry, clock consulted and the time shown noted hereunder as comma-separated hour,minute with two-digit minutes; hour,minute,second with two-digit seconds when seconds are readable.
10,03,34
